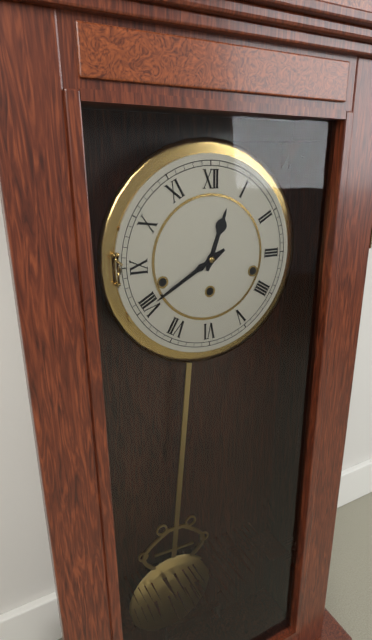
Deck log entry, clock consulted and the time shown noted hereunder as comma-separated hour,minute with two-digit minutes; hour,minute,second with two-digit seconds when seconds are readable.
12,40
